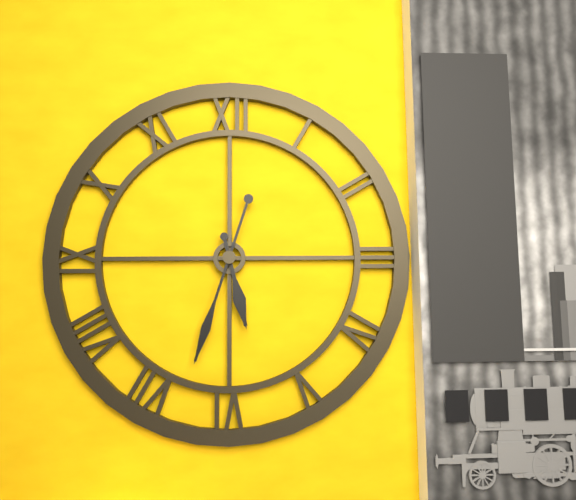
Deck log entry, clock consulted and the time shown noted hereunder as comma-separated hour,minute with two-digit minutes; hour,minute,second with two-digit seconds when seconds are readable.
5,33
